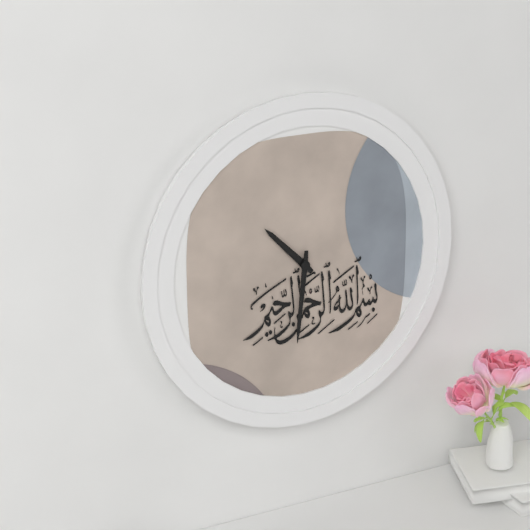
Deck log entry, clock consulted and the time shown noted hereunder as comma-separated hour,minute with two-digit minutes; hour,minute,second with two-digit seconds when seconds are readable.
10,31
